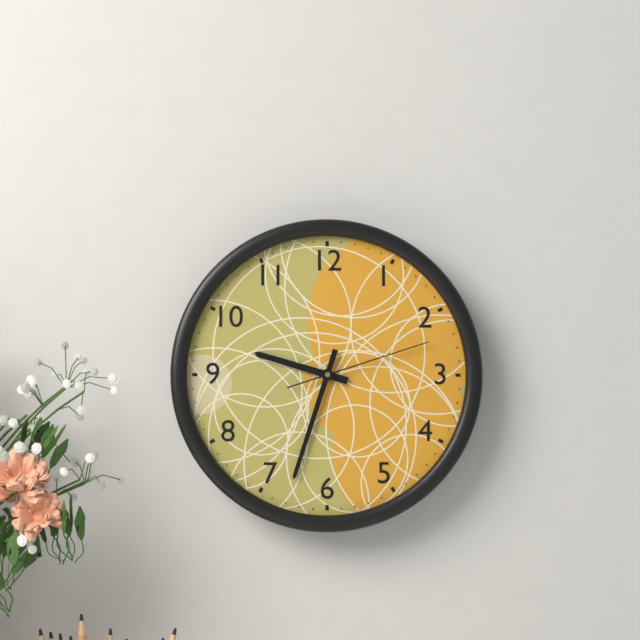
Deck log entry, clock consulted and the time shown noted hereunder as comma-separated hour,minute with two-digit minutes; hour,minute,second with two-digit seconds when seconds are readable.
9,33,12
